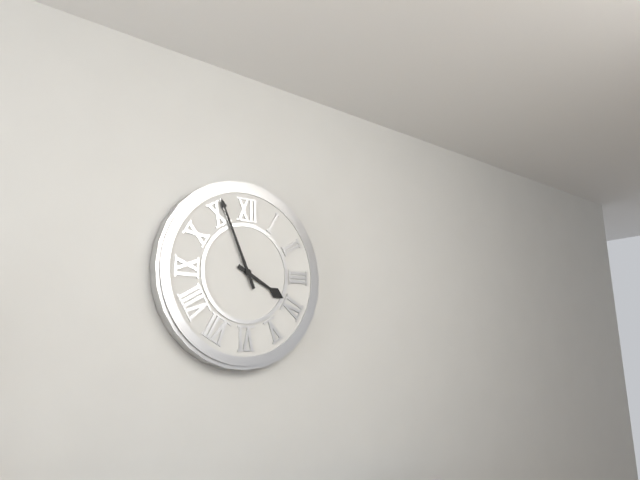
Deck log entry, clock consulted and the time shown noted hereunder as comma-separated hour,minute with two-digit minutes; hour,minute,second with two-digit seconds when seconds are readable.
3,56
